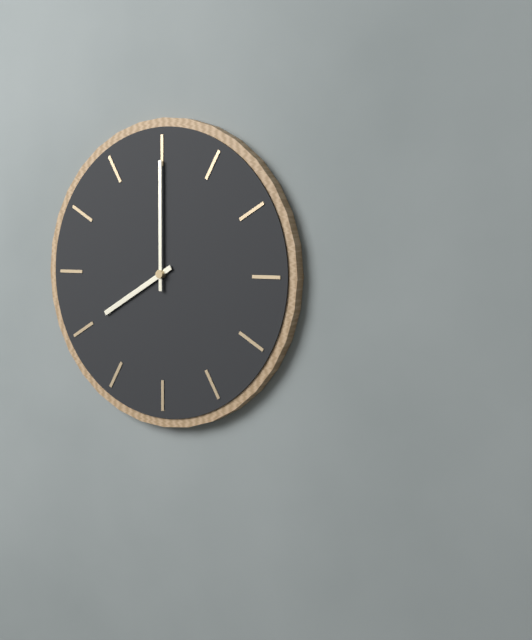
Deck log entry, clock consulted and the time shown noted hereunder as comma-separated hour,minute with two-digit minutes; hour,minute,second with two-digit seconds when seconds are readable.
8,00
